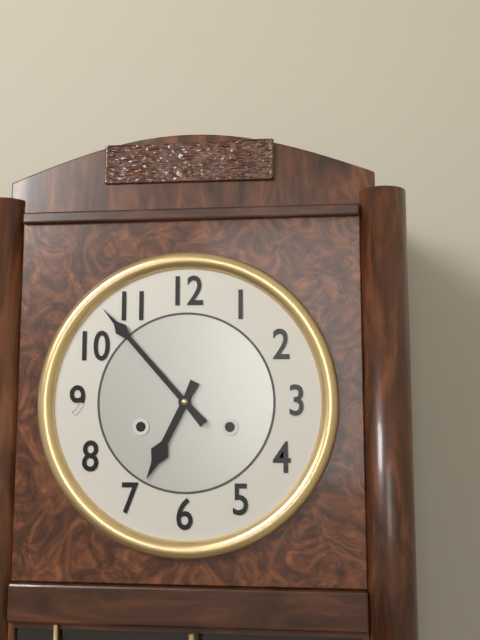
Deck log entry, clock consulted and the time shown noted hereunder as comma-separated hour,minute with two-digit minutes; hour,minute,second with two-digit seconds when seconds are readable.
6,53
